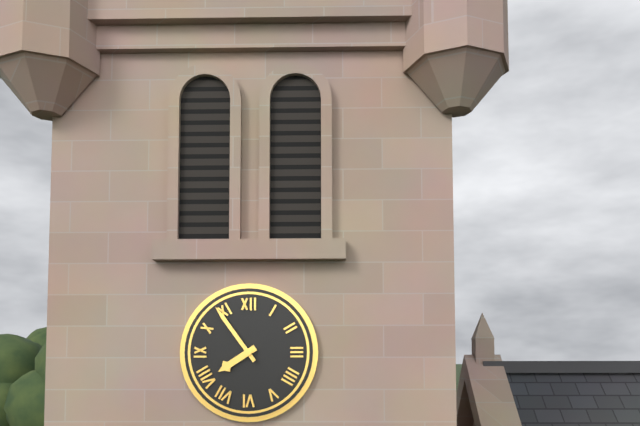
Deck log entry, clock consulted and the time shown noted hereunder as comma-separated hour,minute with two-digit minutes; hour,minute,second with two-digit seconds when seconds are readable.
7,54
